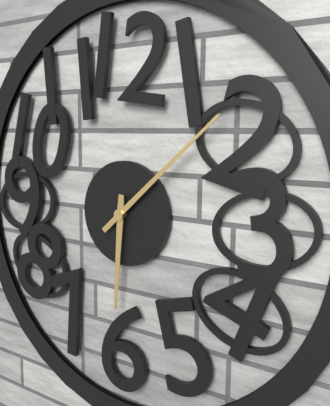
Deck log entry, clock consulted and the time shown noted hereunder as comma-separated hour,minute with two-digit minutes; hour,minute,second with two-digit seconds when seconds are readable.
6,08
